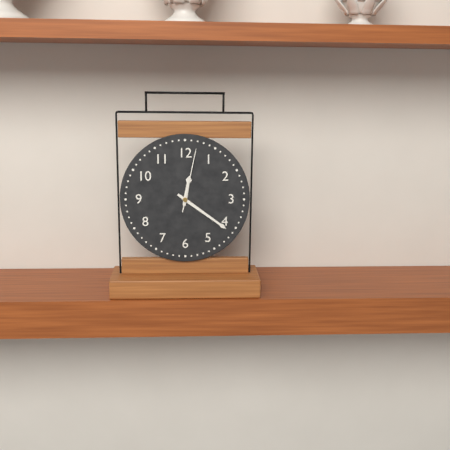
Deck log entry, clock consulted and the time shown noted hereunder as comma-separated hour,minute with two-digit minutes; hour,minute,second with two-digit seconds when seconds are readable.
12,21,02
